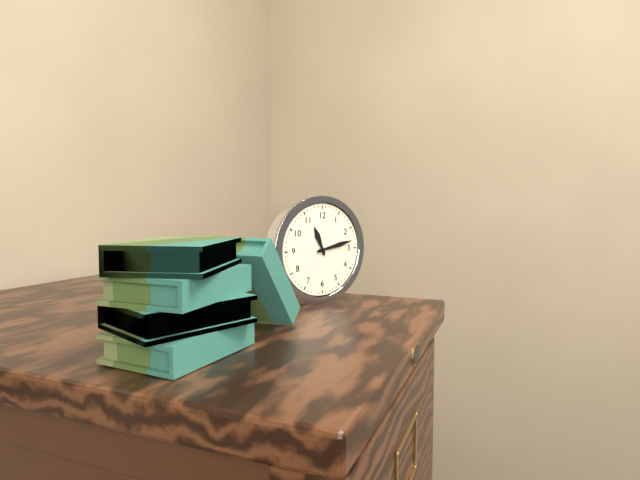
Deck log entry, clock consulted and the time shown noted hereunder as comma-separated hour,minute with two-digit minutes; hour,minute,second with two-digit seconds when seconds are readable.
11,13
